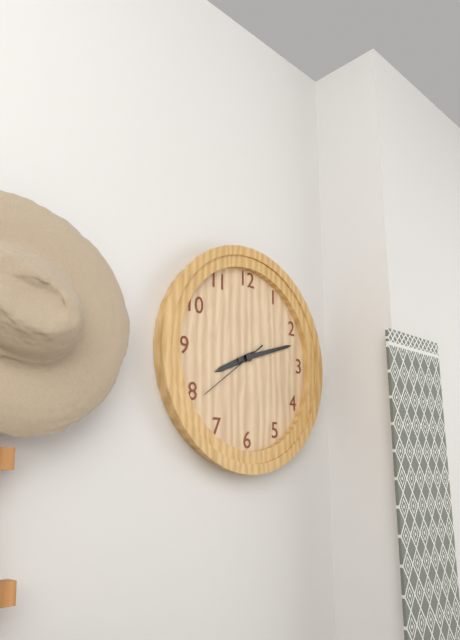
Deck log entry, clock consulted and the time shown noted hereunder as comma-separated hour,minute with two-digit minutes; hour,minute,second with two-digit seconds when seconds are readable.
8,12,39
